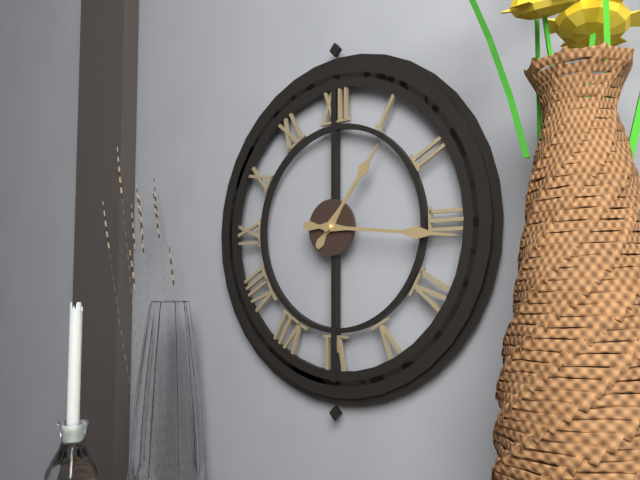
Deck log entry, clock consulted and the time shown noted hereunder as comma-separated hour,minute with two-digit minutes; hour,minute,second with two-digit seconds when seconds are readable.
1,16
